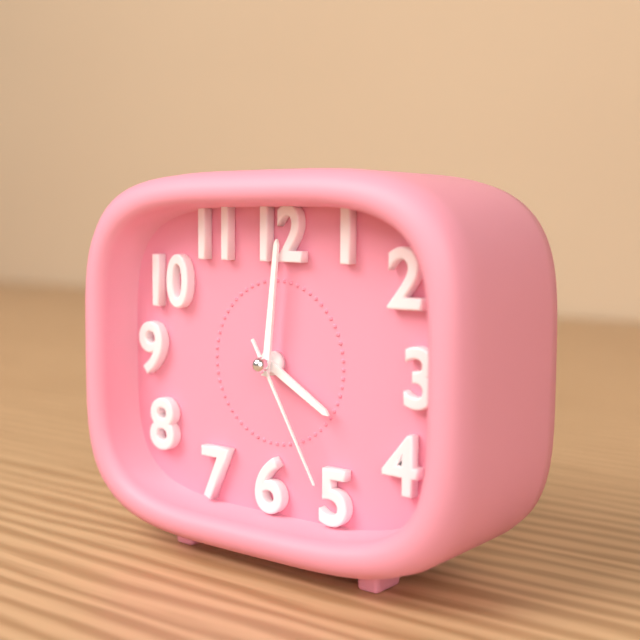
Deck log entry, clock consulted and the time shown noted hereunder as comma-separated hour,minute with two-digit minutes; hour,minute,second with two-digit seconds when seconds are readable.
4,01,25
